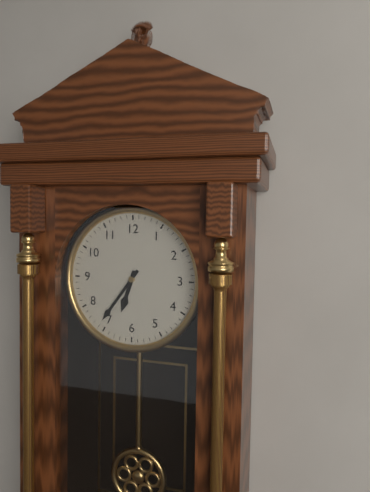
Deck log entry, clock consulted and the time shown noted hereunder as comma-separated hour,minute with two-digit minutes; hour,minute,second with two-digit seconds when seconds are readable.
6,36
